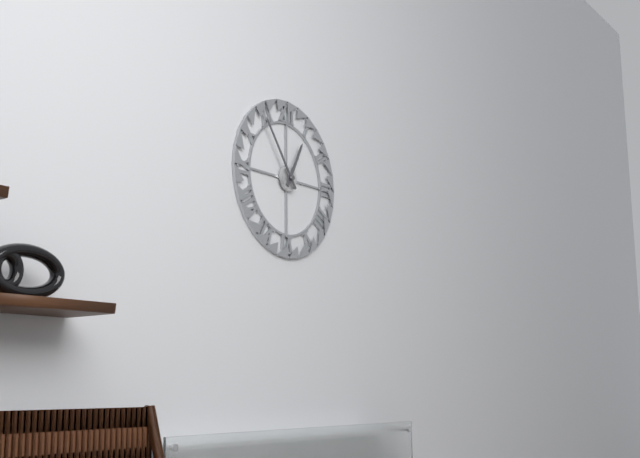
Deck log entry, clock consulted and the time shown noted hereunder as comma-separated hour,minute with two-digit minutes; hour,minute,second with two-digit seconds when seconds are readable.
12,54
